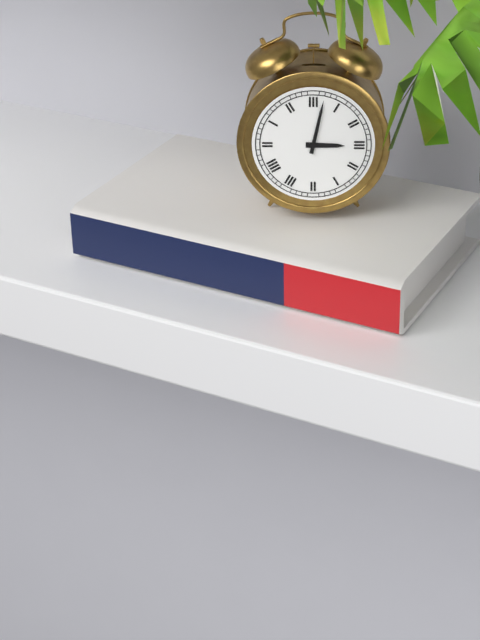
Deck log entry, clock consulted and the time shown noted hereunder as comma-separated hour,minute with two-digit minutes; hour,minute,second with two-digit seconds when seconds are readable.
3,02
